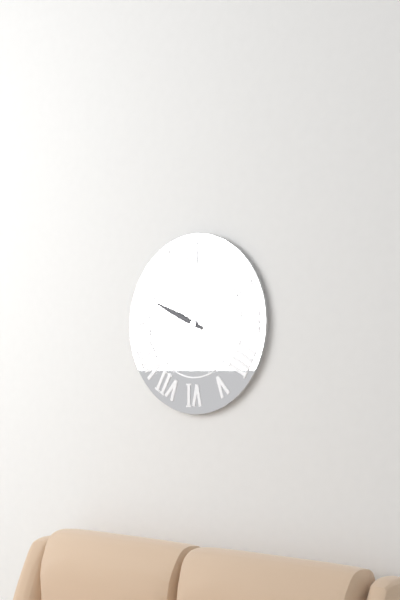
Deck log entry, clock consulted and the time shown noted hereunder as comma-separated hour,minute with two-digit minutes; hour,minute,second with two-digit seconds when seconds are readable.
9,49
